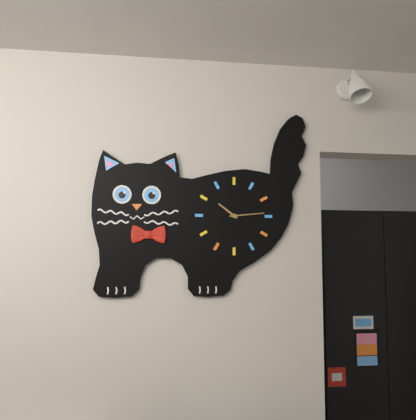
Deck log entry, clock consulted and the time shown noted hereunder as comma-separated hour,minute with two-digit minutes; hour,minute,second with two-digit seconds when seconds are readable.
10,14
